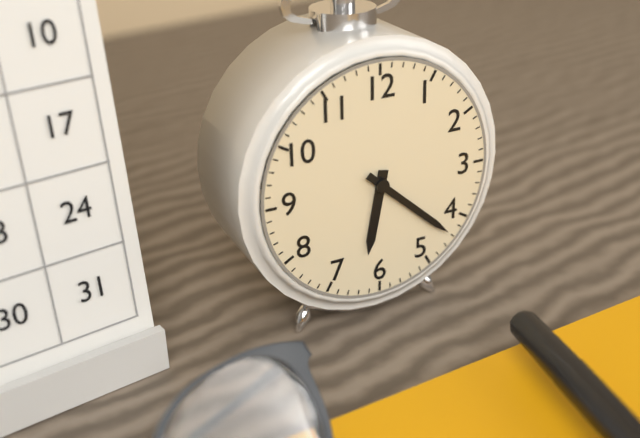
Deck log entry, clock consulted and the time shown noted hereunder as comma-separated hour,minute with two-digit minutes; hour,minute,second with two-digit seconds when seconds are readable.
6,22
